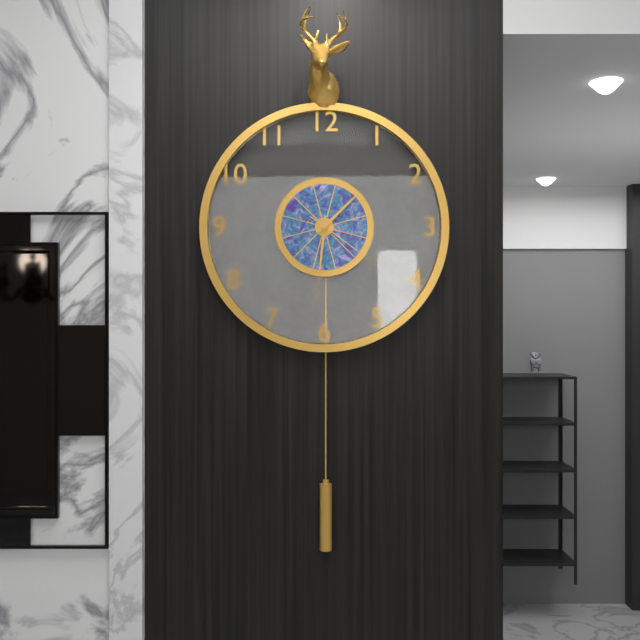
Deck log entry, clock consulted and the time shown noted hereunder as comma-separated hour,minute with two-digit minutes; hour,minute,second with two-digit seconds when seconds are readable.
1,31,21
